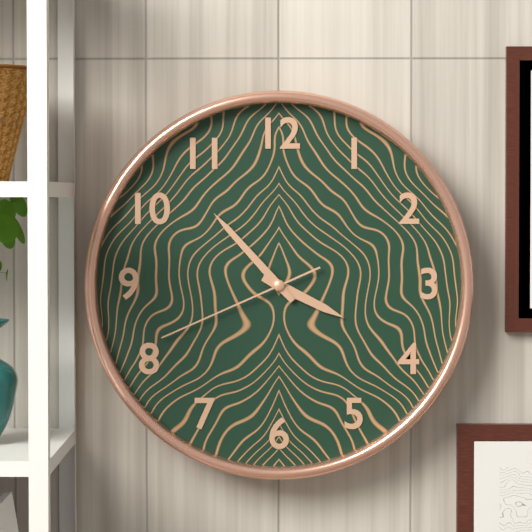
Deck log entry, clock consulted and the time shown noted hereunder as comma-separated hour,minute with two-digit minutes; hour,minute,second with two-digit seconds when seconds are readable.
3,53,41
